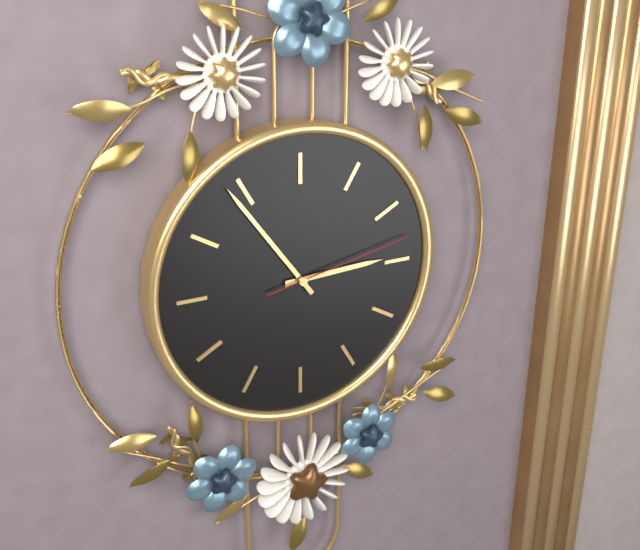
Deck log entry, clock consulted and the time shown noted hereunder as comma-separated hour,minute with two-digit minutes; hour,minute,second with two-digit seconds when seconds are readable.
2,54,13
